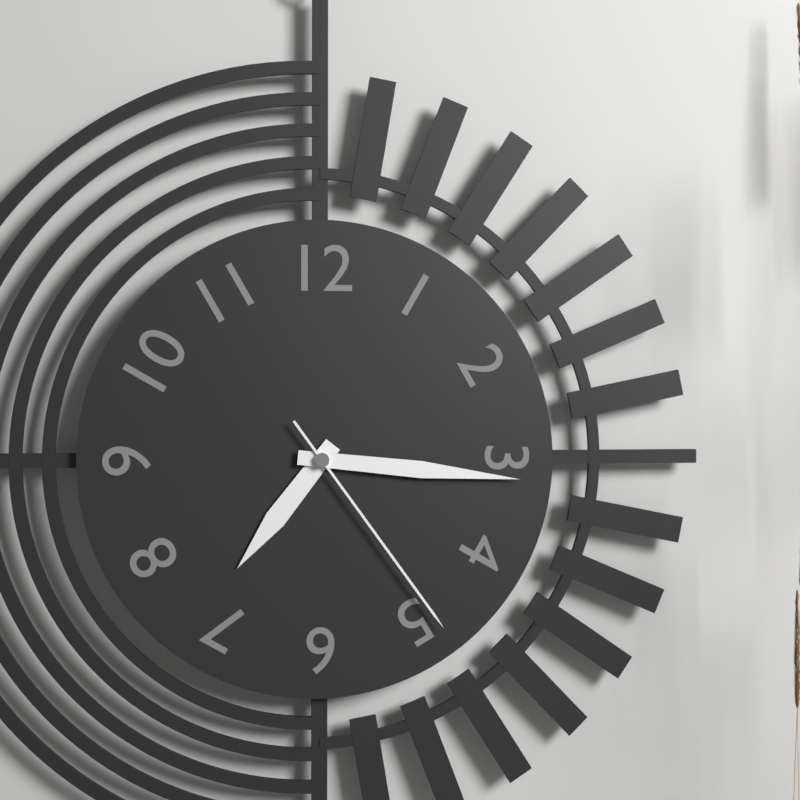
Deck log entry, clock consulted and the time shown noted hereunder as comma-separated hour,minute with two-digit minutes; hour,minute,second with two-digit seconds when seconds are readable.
7,16,24
